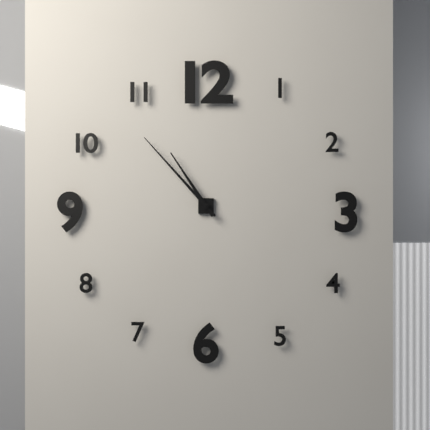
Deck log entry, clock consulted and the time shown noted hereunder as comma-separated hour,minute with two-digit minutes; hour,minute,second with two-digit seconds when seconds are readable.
10,53
